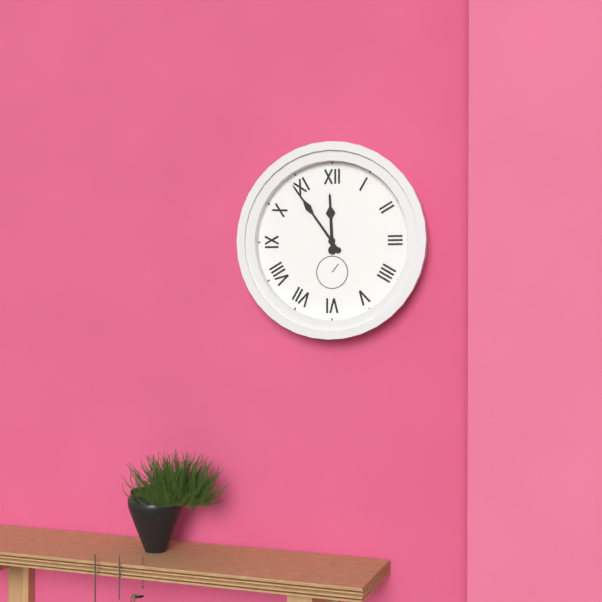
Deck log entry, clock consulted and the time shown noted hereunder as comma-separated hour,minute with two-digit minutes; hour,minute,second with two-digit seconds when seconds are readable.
11,54
